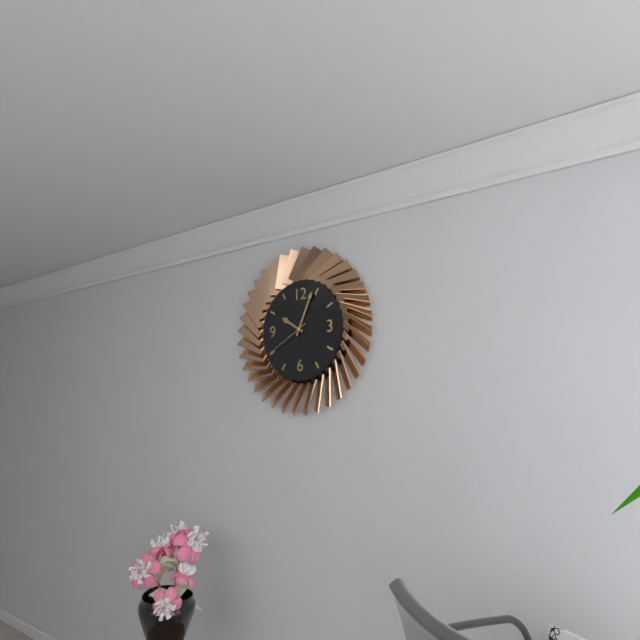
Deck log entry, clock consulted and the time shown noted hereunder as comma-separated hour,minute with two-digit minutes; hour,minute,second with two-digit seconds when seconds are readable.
10,04
